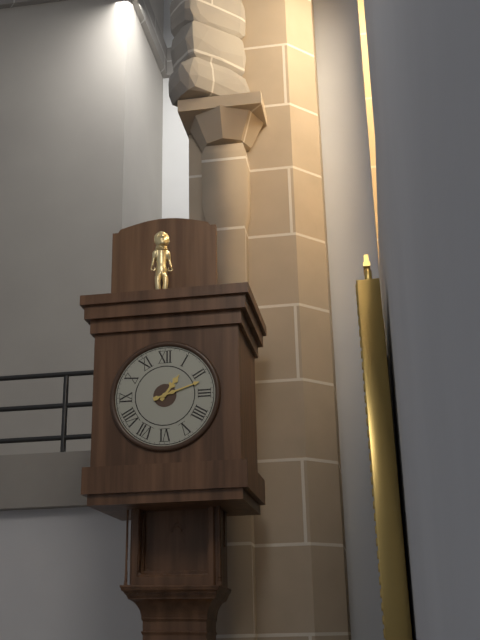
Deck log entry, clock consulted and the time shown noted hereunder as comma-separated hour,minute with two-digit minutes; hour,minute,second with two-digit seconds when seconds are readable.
1,12
